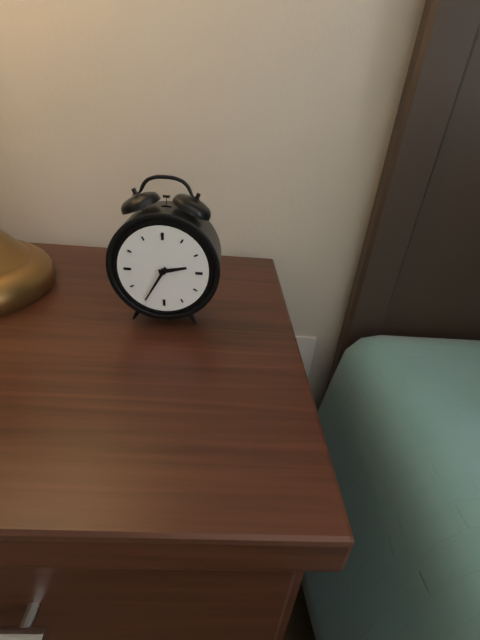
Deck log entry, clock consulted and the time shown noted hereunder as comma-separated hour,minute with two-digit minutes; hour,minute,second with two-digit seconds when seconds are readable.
2,35
